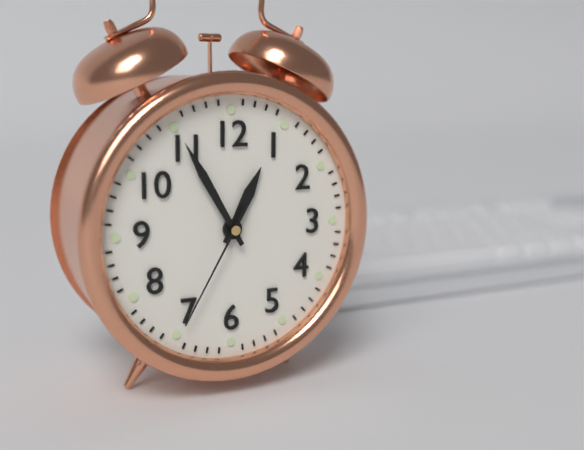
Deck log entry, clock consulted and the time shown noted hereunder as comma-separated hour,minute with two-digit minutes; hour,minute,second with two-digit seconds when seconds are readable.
12,55,35
